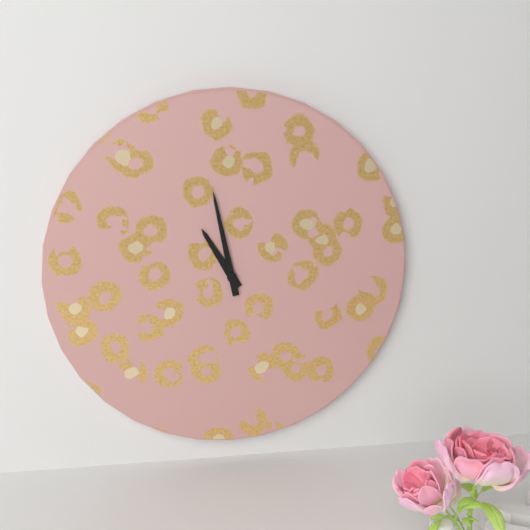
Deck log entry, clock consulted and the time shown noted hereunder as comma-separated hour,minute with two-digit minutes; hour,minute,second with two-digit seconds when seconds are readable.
10,58
